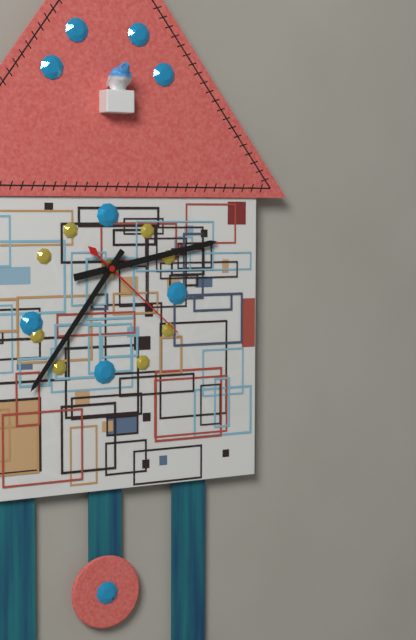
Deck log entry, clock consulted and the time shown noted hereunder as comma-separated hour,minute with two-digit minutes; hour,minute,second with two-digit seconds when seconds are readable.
2,36,22
